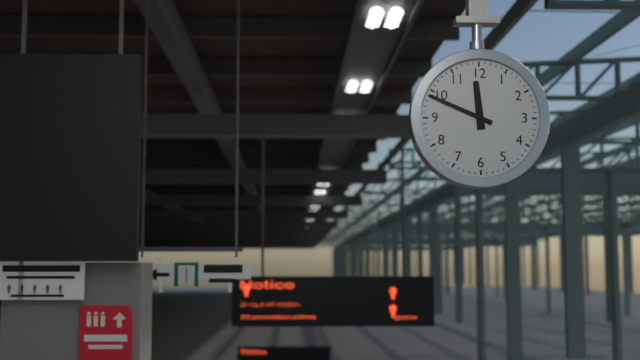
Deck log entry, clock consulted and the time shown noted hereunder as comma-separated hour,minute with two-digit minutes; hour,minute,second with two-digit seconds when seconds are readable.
11,49
